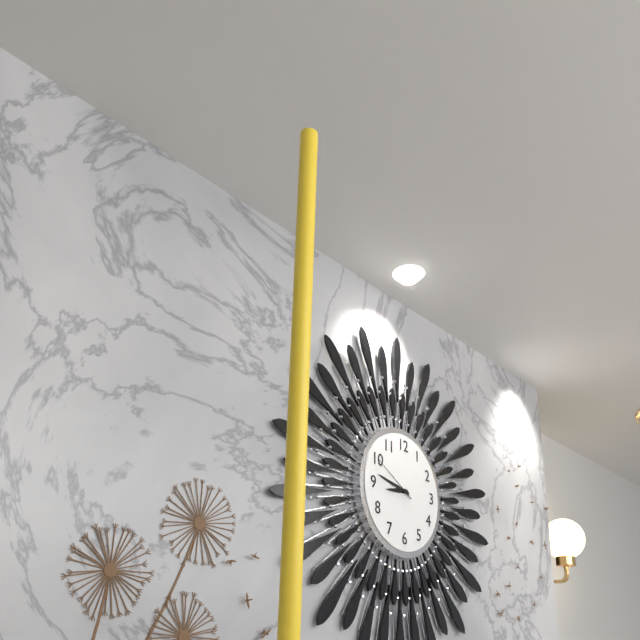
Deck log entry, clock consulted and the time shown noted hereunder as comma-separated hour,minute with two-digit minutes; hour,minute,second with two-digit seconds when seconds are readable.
8,47
